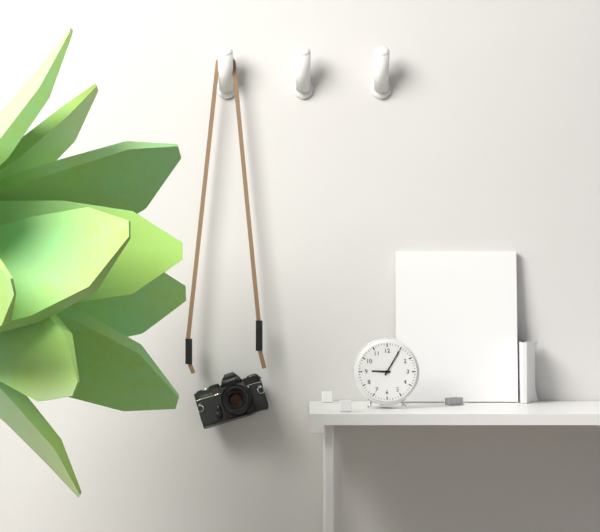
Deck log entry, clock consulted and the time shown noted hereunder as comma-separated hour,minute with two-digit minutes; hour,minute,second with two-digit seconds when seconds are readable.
9,05
